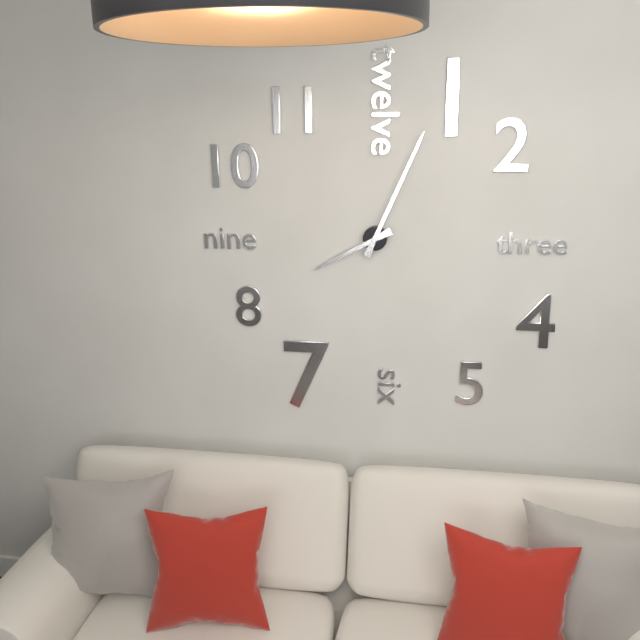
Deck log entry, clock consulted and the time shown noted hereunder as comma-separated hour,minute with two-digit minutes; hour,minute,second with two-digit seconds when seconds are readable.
8,04
